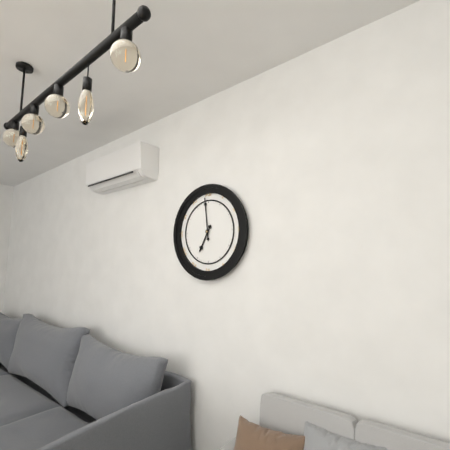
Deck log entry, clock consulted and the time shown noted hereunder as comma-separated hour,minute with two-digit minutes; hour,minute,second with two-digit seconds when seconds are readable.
6,59
